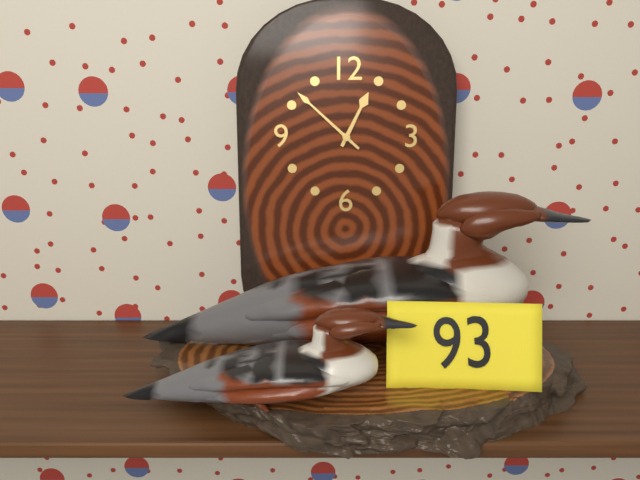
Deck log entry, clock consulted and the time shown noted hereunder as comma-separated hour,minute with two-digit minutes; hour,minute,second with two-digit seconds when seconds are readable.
12,52
